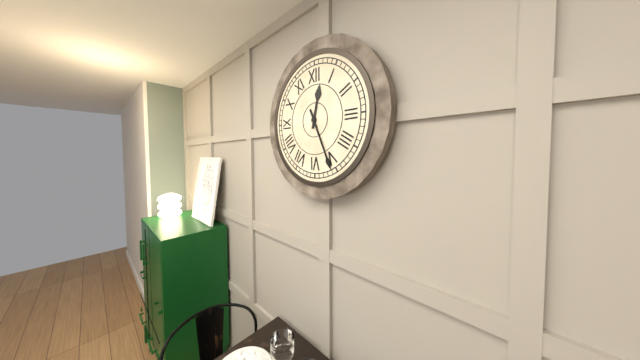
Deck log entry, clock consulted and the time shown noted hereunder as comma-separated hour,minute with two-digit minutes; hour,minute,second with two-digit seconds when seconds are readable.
12,26
